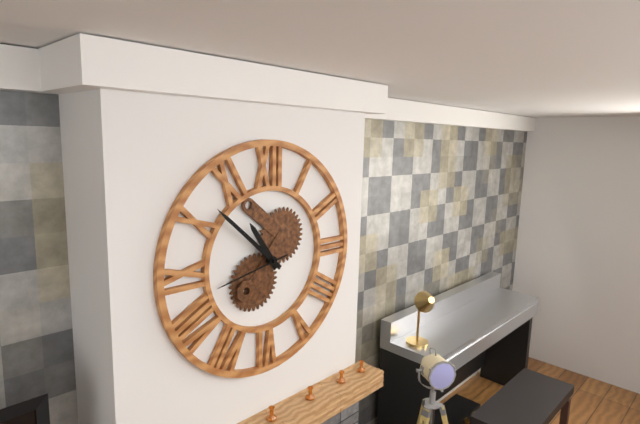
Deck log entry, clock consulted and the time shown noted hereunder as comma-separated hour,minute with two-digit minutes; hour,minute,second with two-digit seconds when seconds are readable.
10,52,43
